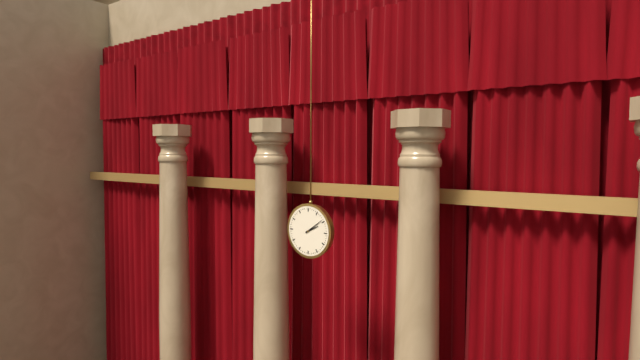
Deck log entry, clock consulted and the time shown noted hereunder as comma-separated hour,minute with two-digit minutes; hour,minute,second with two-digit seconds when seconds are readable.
2,09
